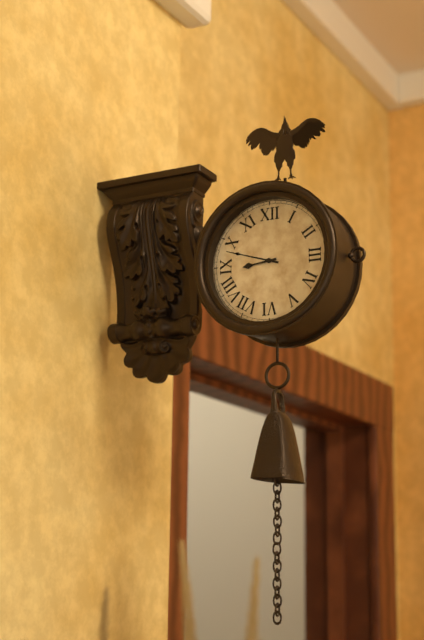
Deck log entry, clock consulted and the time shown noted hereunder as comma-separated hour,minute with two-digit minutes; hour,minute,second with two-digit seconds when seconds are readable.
8,48
